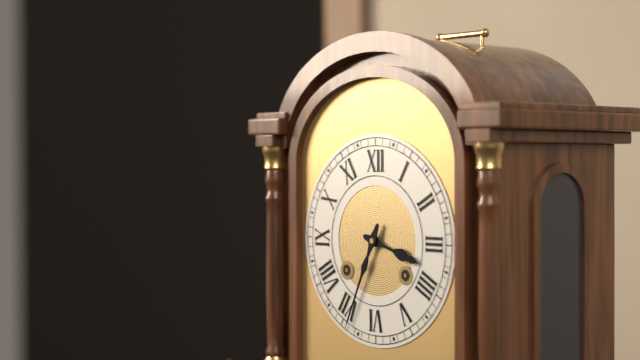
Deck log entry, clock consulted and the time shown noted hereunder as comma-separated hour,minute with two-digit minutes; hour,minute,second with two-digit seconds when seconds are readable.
3,34
